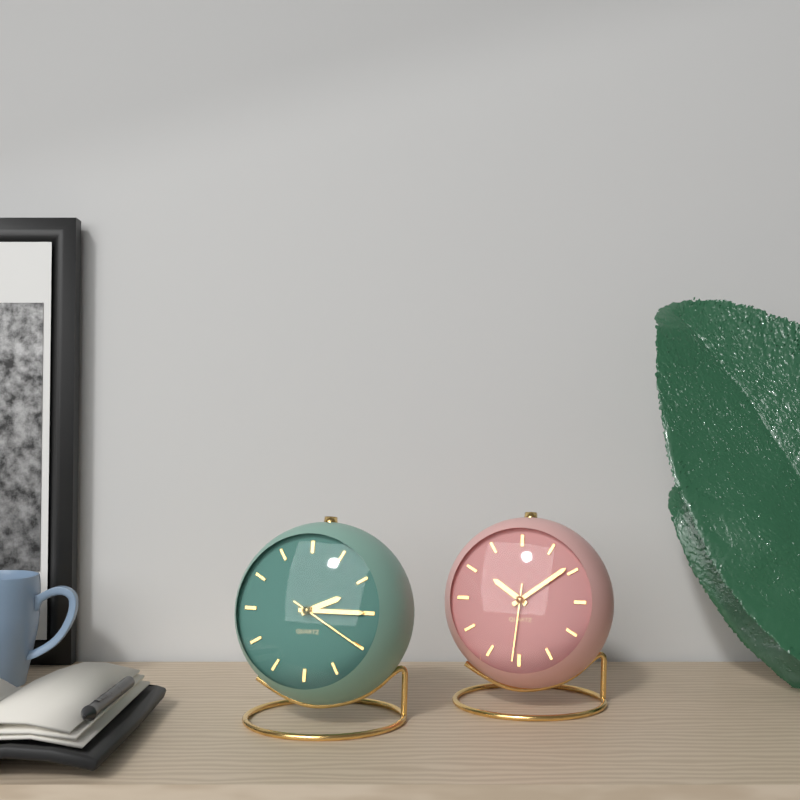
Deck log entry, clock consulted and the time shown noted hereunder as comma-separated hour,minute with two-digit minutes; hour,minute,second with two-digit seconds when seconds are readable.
2,15,20
